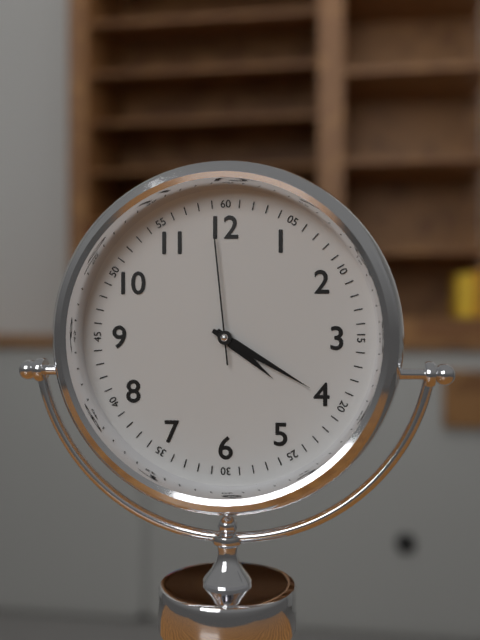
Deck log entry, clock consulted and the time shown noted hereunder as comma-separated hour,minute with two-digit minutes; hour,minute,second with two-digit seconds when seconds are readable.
4,20,59
